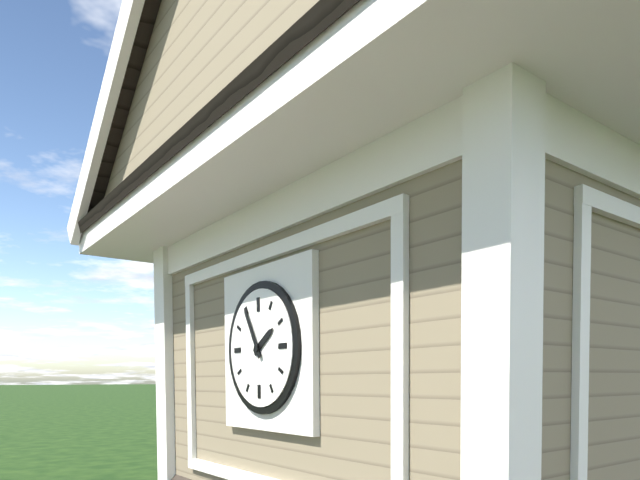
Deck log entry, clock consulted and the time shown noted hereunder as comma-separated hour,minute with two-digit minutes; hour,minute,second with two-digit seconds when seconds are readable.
1,55
